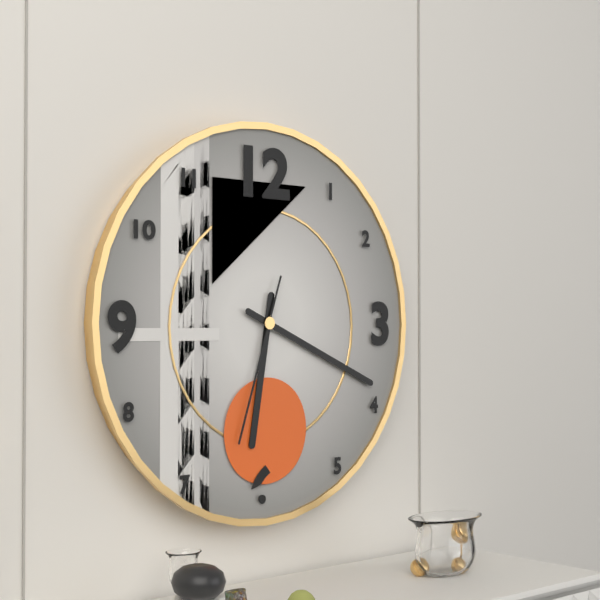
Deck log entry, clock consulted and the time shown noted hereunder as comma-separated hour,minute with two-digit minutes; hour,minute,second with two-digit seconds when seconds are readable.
6,19,33
